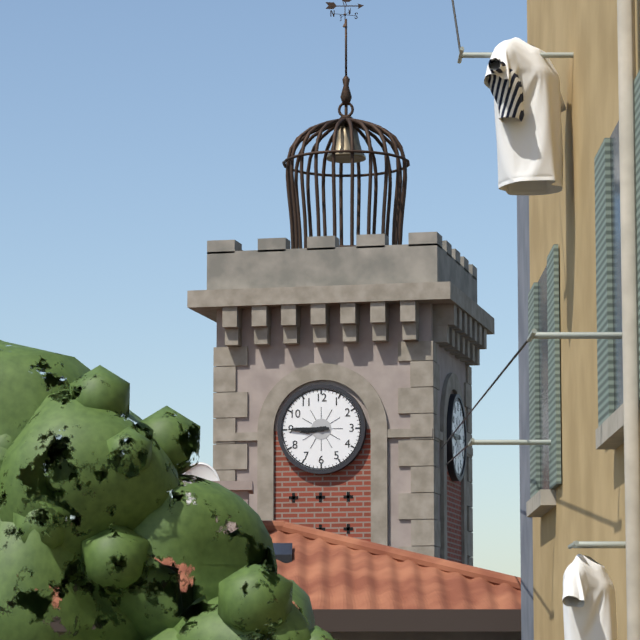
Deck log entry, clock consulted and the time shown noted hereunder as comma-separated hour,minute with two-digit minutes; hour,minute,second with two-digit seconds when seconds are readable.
8,45
